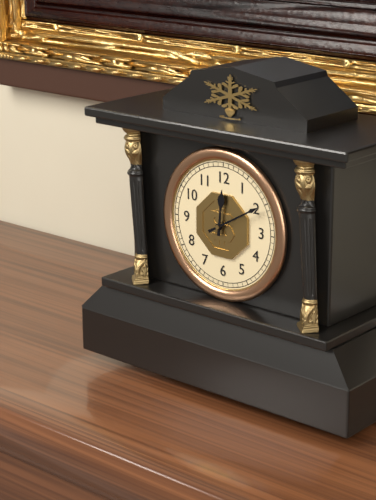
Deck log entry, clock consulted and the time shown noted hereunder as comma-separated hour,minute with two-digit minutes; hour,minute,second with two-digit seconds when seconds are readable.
12,10
